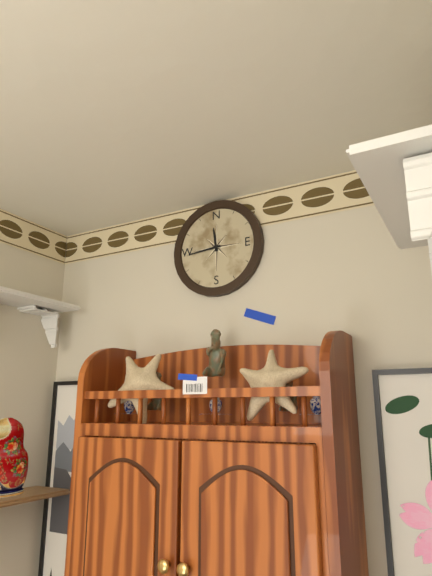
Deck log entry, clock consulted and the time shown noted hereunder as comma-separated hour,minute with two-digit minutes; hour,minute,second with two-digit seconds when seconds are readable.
11,44
